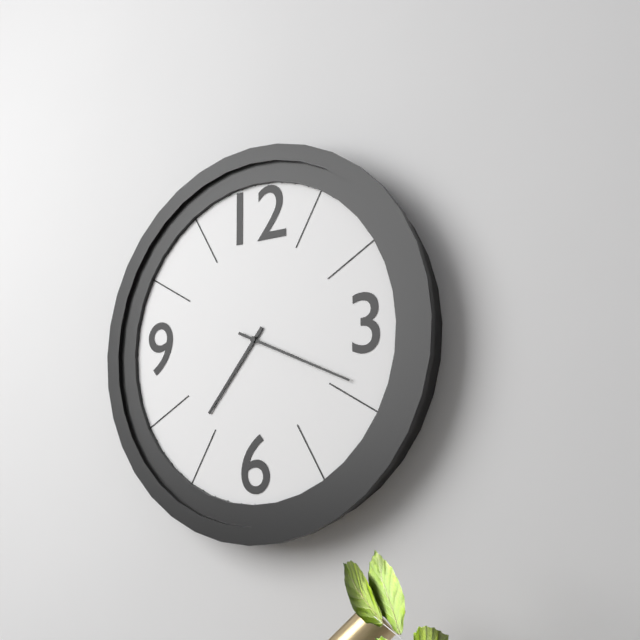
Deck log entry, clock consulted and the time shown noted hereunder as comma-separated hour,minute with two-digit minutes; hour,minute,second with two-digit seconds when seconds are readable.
7,19
